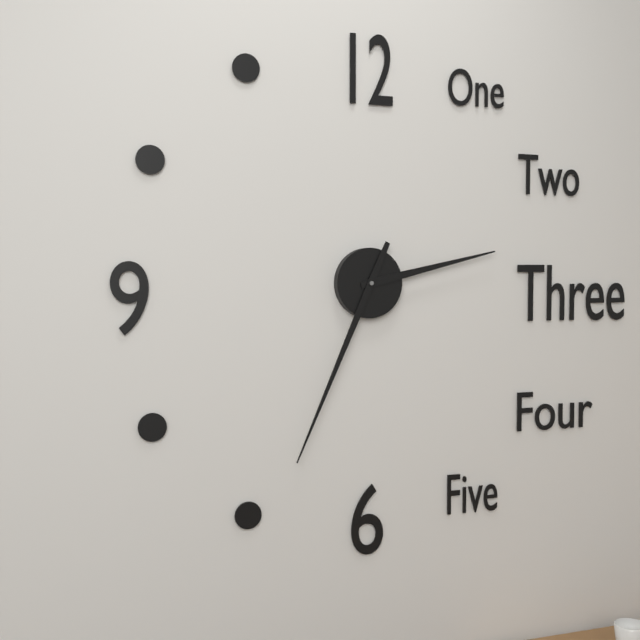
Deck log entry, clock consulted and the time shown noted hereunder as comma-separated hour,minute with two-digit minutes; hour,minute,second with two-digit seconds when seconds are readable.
2,34
